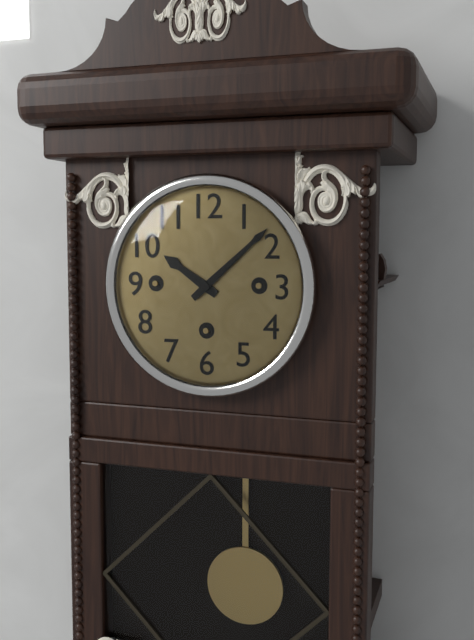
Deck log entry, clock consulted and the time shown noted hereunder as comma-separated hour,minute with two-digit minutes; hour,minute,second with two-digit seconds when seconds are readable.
10,08
